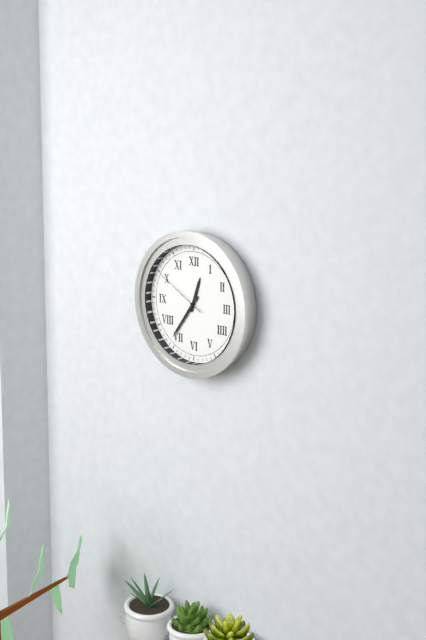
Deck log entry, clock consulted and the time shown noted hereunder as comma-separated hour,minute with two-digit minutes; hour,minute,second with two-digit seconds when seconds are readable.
12,36,50
